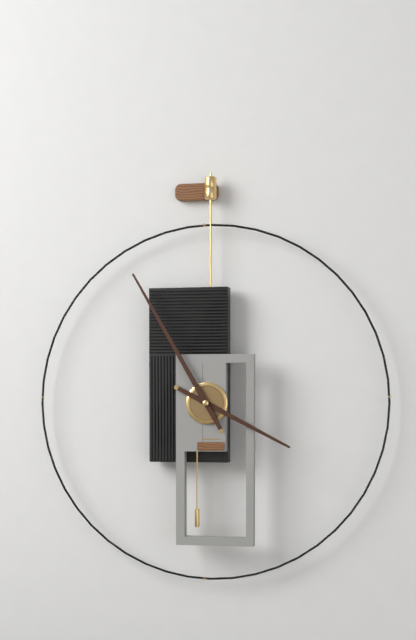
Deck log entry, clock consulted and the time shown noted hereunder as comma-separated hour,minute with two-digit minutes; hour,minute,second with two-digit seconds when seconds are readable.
3,55
